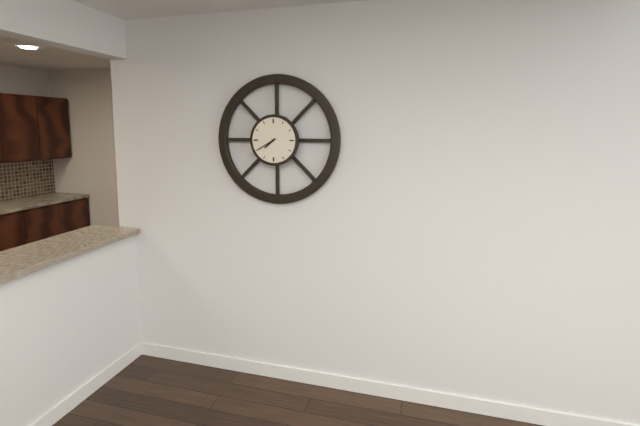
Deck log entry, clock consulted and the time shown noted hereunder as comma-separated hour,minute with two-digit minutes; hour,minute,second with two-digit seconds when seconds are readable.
7,40
